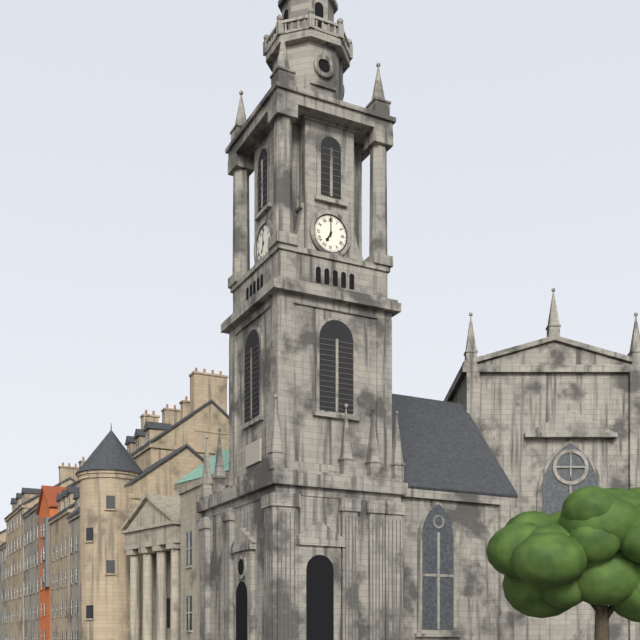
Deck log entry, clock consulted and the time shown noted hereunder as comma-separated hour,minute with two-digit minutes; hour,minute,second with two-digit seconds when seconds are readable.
7,00
